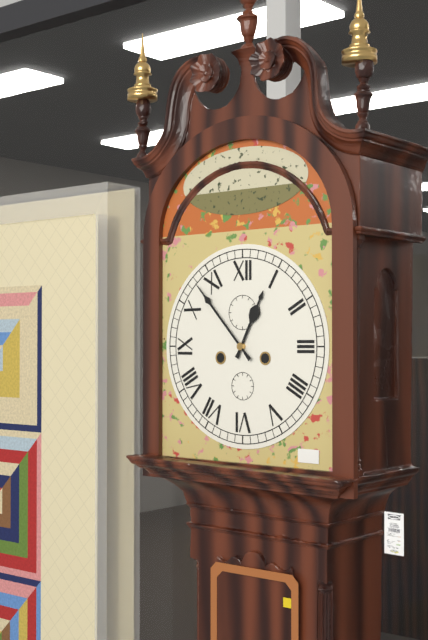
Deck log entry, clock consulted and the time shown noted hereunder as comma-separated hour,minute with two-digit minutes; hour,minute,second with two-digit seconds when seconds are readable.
12,53
